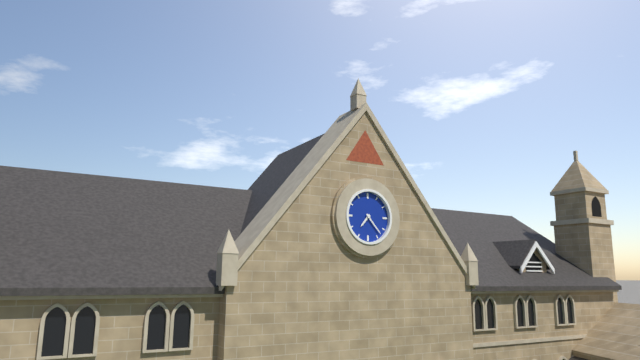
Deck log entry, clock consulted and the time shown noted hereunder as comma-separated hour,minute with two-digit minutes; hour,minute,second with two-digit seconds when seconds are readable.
7,23
